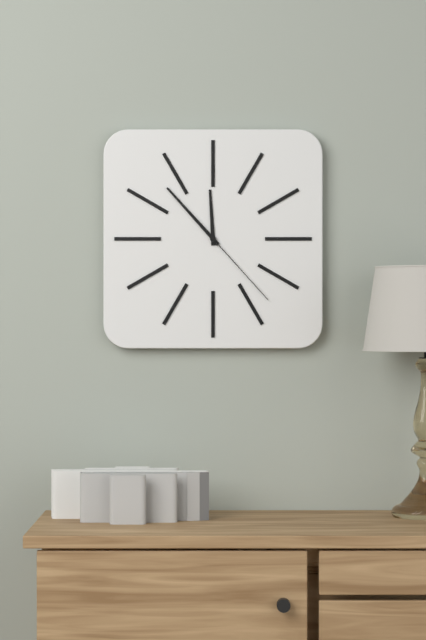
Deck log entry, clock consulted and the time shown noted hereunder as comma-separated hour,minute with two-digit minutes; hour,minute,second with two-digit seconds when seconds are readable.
11,53,23
